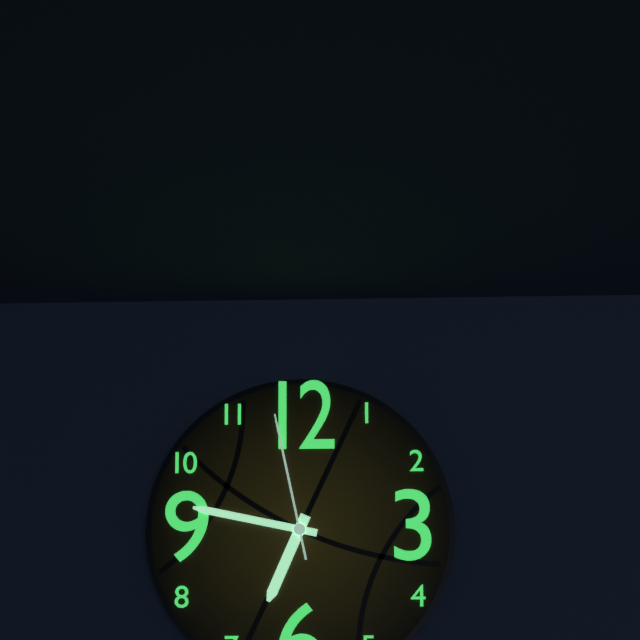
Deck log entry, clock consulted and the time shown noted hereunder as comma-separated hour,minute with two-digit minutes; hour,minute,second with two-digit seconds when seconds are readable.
6,47,58
